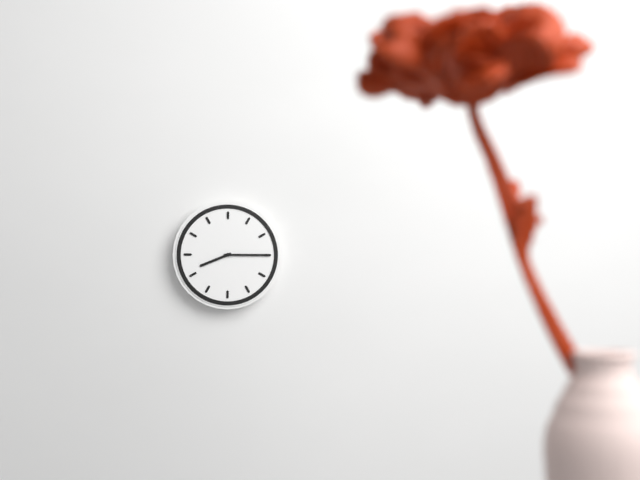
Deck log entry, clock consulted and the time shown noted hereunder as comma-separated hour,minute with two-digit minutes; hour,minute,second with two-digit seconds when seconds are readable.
8,15
